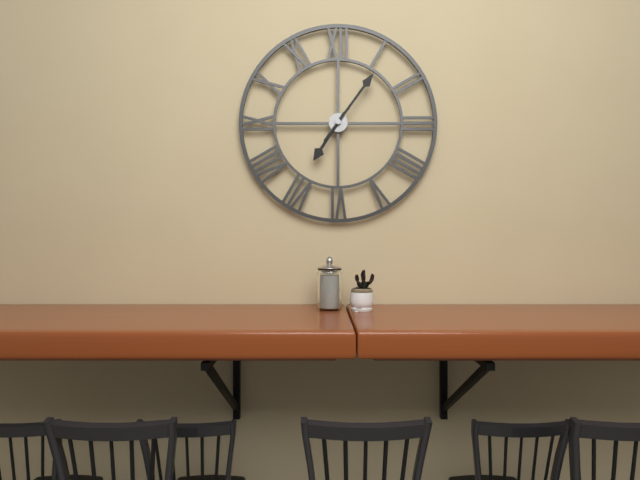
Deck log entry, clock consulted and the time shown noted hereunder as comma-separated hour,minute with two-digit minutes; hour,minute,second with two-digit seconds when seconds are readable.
7,06
